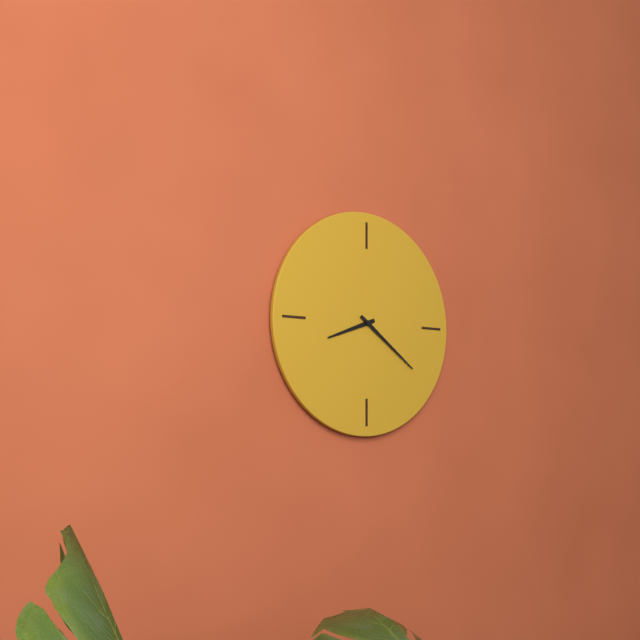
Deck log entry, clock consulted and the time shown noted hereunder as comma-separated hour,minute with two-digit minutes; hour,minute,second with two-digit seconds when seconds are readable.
8,21
